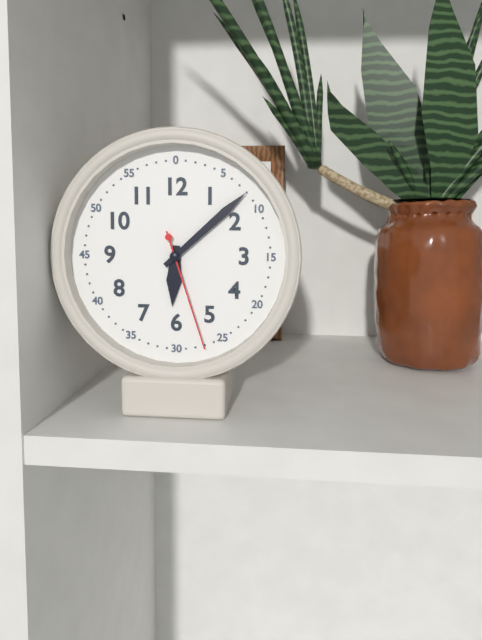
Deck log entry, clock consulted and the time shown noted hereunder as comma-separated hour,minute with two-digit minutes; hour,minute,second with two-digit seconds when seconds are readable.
6,08,27
